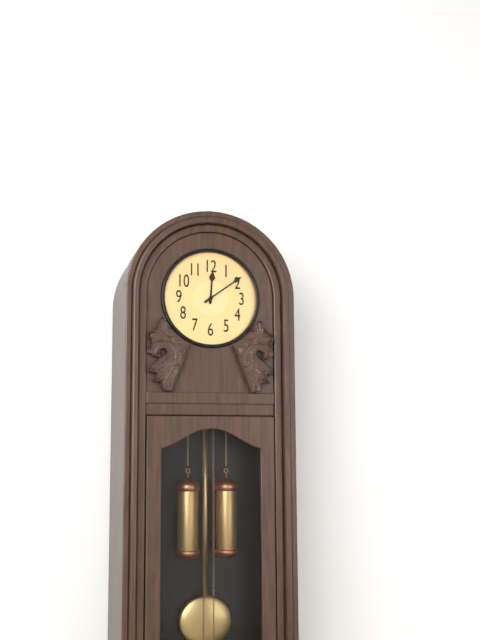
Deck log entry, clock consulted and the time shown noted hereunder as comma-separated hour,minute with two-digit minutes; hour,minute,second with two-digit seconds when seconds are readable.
12,09
